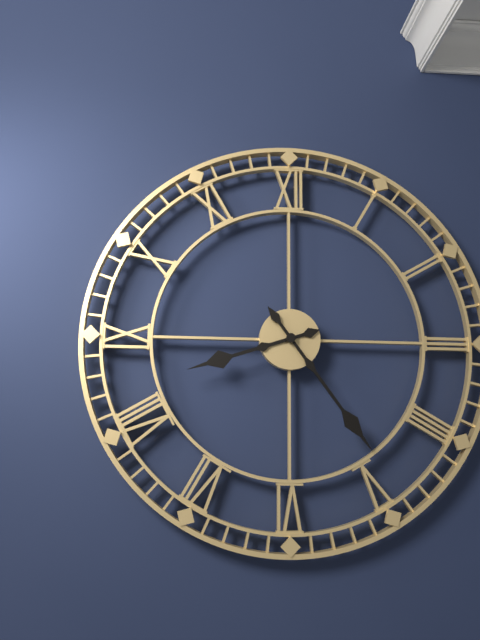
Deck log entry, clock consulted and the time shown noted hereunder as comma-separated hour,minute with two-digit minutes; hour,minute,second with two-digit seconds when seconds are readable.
8,24
